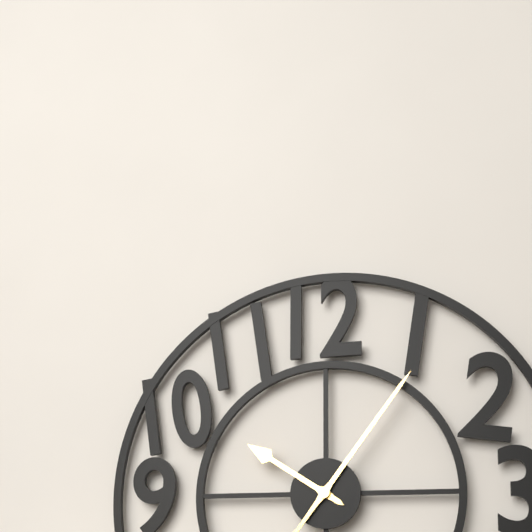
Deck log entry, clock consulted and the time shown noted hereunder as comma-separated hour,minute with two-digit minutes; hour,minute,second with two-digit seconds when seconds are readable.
10,06
